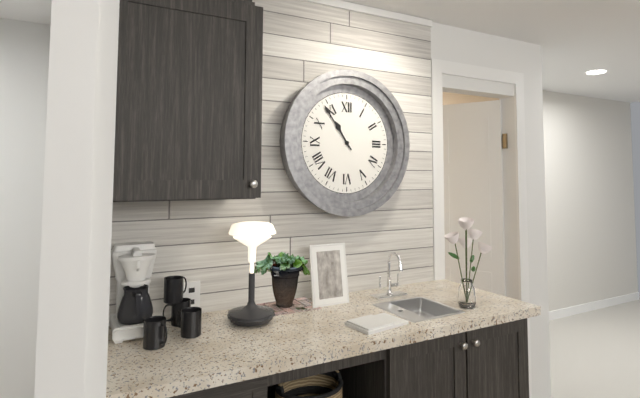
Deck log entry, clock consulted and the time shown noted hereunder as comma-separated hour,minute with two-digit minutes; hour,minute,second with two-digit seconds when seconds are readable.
10,54
